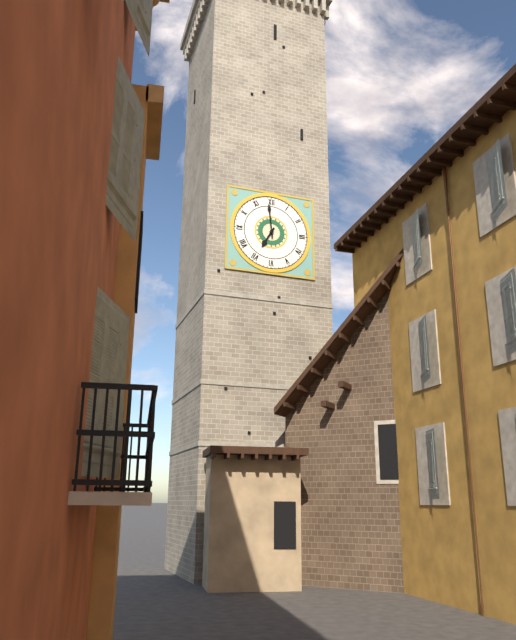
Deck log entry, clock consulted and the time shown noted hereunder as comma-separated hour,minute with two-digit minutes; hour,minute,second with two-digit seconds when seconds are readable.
6,59
